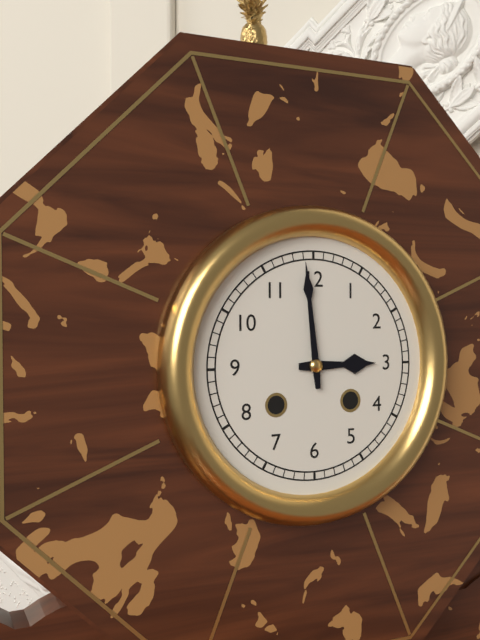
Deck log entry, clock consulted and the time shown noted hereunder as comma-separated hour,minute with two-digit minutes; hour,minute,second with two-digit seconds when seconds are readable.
2,59
